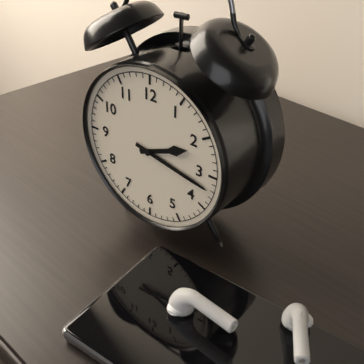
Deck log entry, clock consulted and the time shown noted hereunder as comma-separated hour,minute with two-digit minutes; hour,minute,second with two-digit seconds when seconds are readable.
2,17
